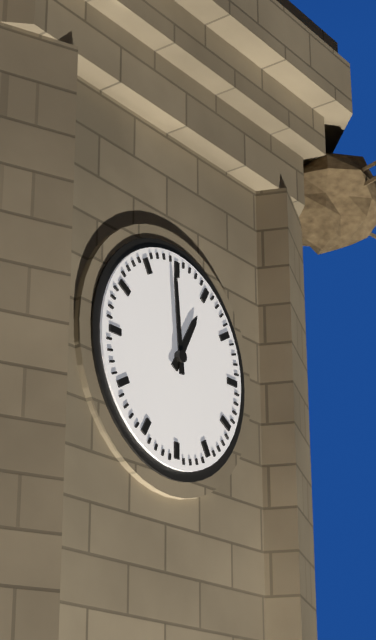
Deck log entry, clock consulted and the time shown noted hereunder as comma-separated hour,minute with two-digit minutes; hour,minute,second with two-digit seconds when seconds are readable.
12,59
